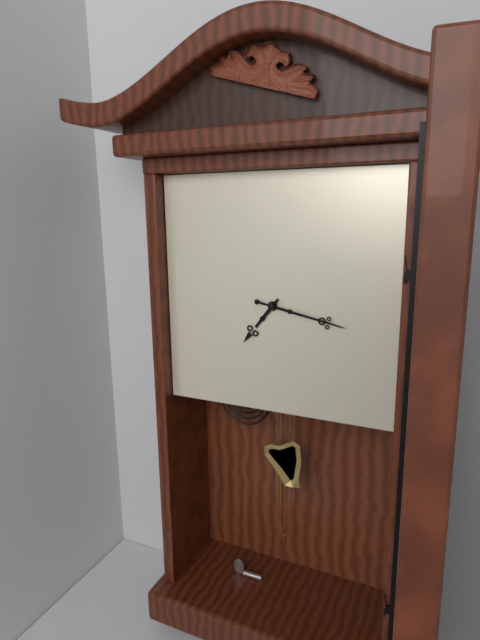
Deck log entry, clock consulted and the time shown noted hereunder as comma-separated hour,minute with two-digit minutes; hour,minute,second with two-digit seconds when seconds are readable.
7,17
